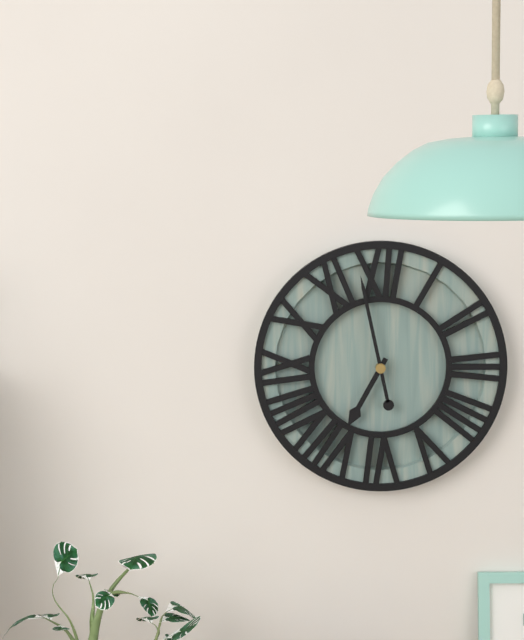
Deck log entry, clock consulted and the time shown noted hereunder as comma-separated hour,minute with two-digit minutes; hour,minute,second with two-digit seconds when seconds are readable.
6,58
